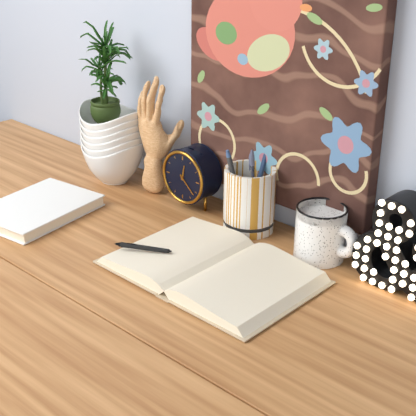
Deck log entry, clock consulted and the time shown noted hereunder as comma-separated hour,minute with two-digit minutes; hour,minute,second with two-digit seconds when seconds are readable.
12,22
